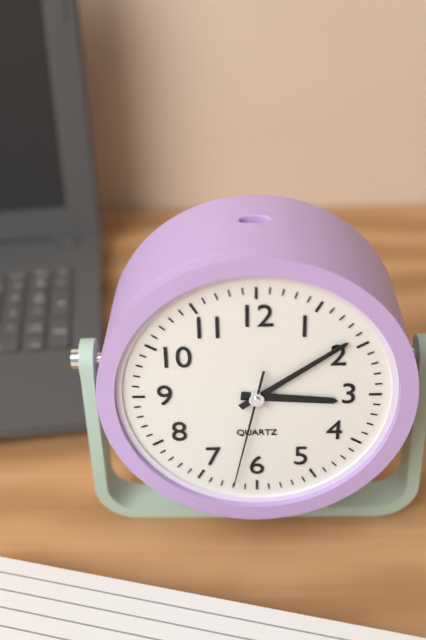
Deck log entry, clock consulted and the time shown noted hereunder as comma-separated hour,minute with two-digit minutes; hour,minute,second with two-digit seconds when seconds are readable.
3,09,32
